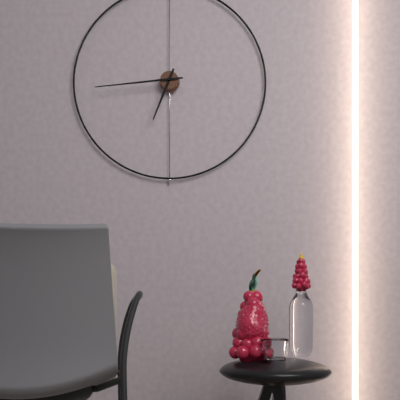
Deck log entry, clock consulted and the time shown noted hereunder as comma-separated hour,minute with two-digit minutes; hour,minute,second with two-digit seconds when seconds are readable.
6,44
